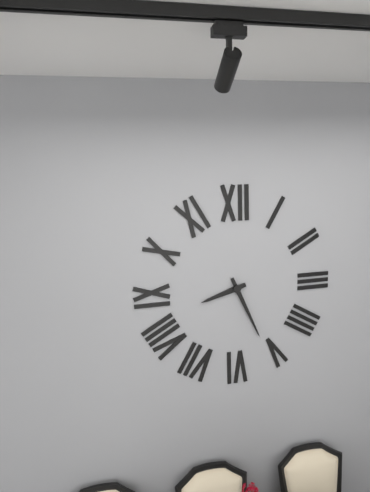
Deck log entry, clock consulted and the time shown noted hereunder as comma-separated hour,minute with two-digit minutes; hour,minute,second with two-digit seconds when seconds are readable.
8,26
